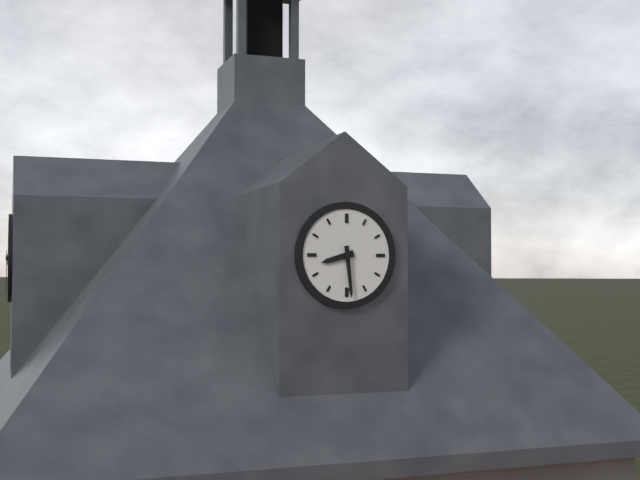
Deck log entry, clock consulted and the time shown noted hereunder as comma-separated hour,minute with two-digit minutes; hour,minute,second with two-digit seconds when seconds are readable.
8,29
